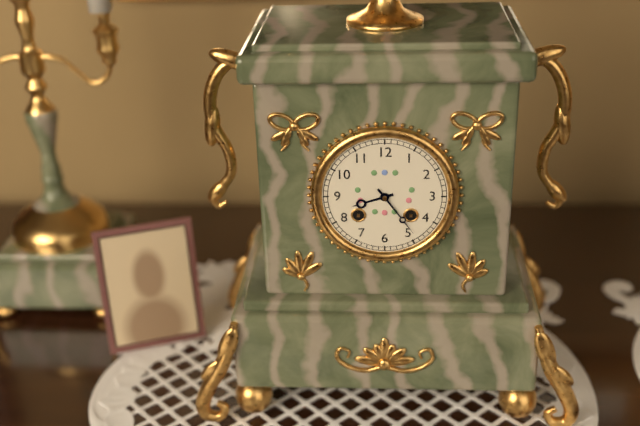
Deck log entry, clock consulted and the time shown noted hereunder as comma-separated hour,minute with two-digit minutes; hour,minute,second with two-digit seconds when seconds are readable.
8,24
